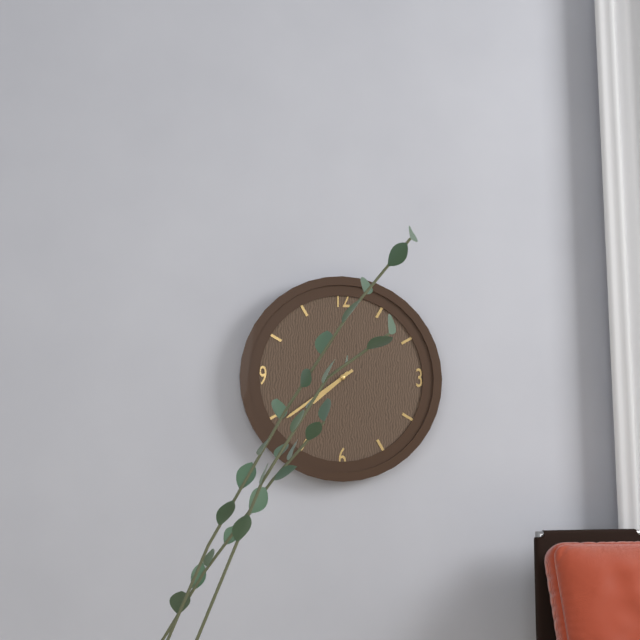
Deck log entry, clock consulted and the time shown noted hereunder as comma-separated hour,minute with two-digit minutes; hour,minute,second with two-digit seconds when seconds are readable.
7,39
